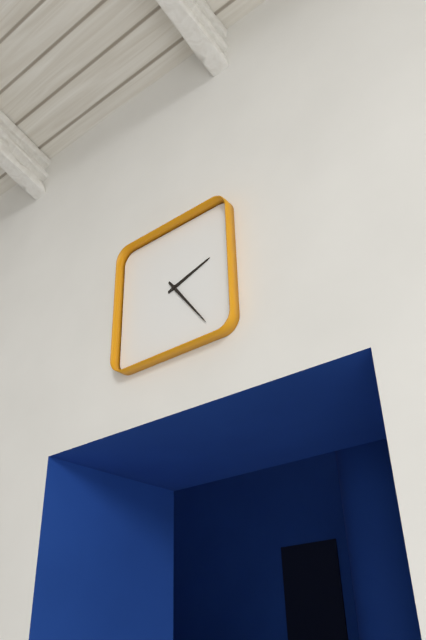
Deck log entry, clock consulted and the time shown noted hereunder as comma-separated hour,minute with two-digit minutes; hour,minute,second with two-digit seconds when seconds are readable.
2,24
